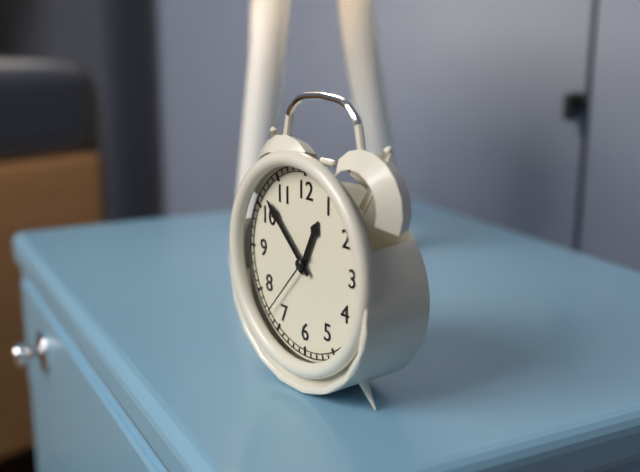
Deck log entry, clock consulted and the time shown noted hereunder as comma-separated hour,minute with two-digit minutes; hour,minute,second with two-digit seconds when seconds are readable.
12,52,37
